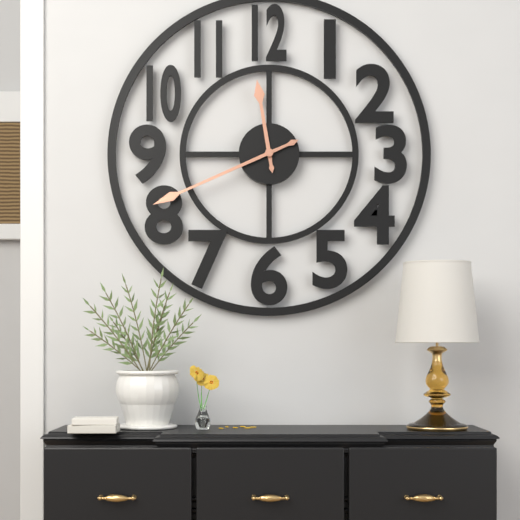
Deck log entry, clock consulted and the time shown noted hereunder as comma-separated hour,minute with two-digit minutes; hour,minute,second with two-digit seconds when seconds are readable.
11,41
